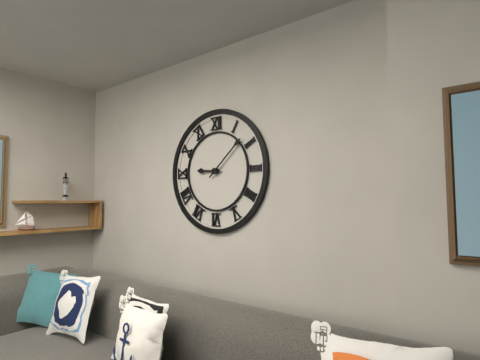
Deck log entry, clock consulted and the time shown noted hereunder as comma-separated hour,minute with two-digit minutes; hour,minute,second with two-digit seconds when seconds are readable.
9,08
